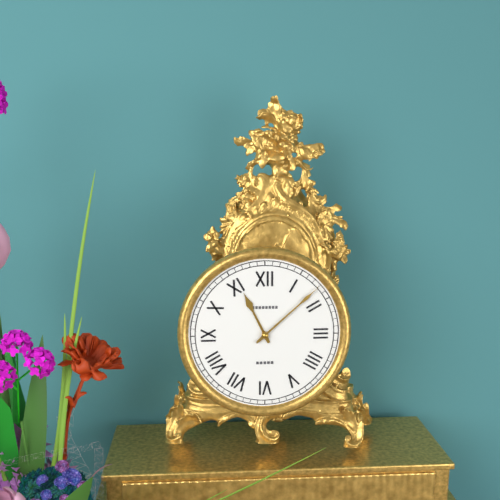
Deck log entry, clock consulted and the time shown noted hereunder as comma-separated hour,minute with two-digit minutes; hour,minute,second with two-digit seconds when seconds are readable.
11,08
